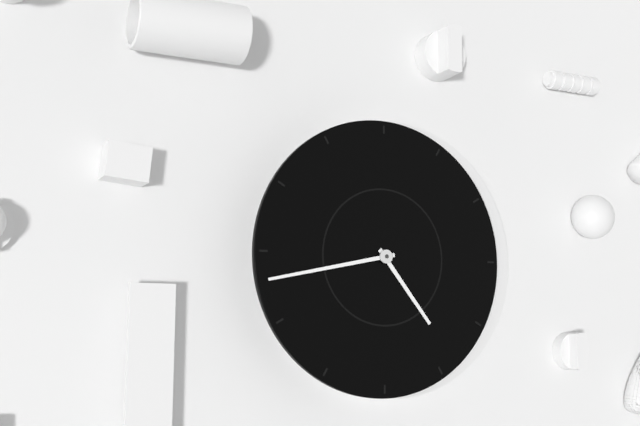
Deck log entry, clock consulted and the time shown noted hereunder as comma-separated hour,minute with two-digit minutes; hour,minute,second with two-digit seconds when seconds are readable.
4,43
